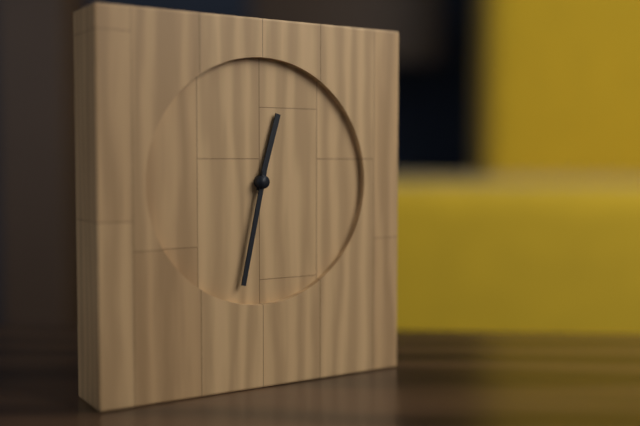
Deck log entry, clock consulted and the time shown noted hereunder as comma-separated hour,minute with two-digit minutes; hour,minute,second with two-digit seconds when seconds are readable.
12,32
